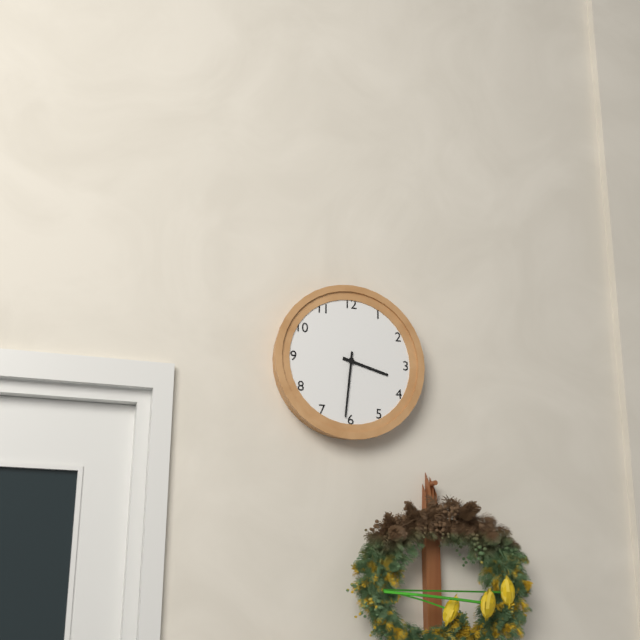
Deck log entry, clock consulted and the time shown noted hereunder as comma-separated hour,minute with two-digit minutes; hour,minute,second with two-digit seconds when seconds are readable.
3,31
